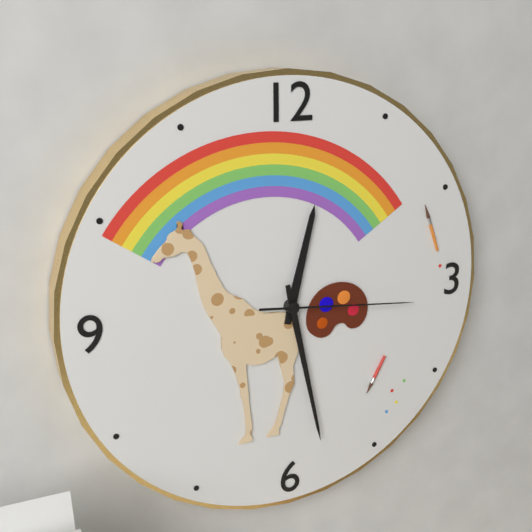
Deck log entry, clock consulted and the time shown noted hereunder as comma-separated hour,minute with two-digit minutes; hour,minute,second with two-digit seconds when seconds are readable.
12,28,16
